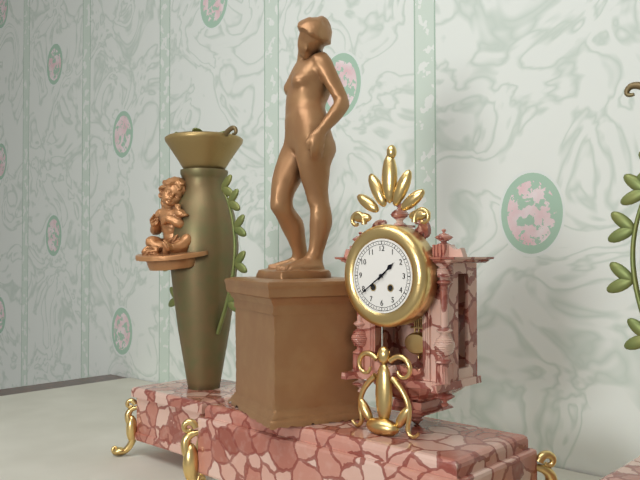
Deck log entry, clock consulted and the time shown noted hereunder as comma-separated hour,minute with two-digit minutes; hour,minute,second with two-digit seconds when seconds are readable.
1,39
